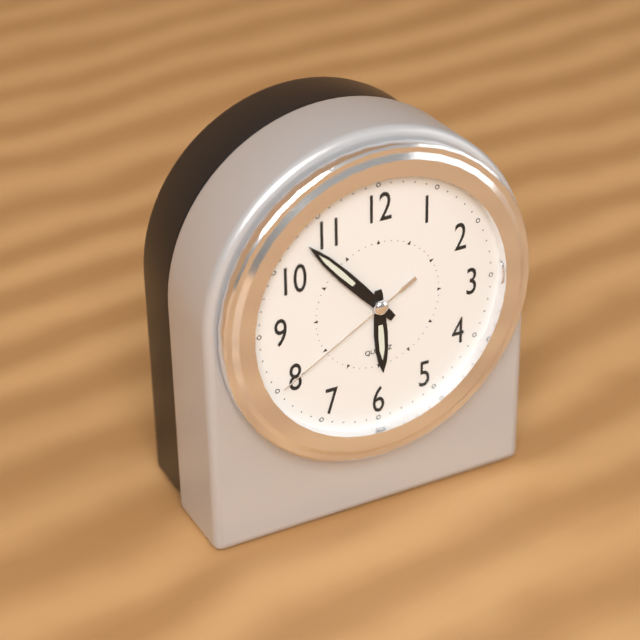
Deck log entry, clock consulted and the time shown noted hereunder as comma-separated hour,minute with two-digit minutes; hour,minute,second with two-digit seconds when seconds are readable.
5,53,40
